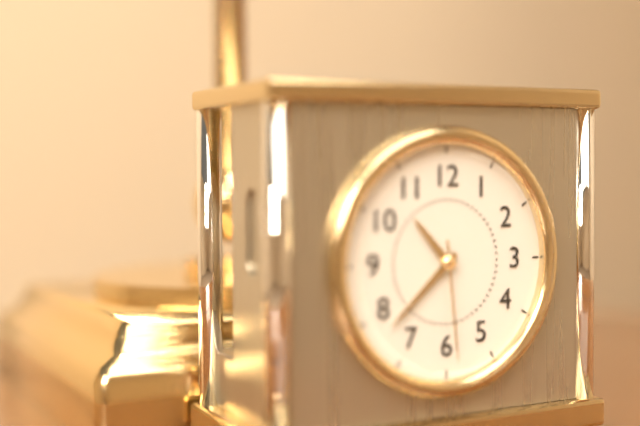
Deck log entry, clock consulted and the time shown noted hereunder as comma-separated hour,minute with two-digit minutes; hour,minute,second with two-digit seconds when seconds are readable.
10,38,29
